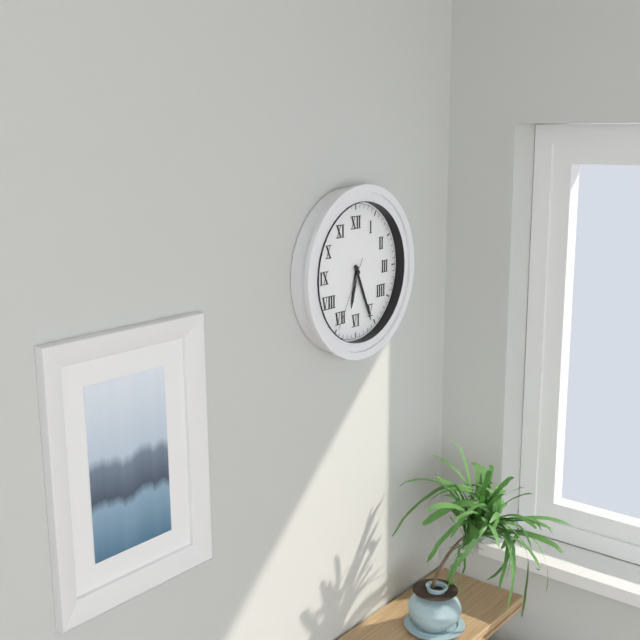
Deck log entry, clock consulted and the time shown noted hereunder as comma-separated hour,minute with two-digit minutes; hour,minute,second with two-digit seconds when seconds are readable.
6,26,35
